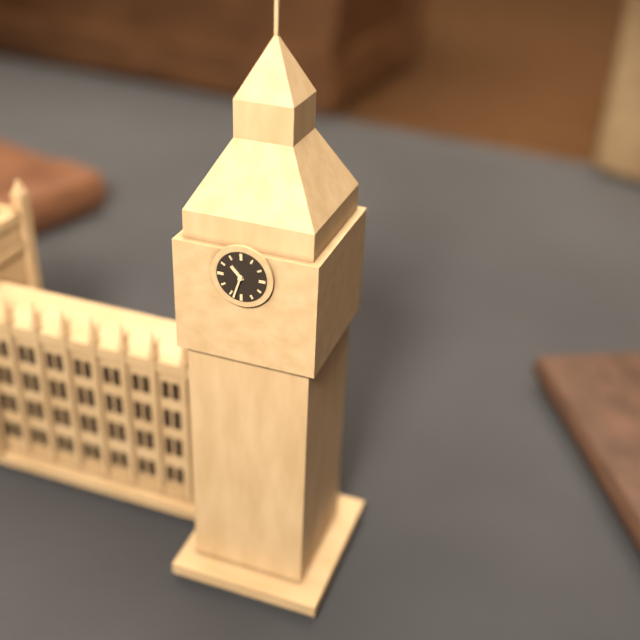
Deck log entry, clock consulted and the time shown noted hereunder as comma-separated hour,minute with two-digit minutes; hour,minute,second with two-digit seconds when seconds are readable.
10,33
